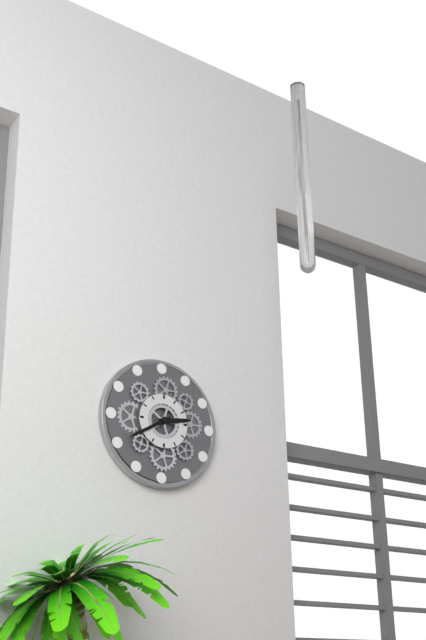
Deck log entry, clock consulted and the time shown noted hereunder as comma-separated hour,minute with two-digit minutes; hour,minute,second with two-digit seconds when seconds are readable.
2,40
